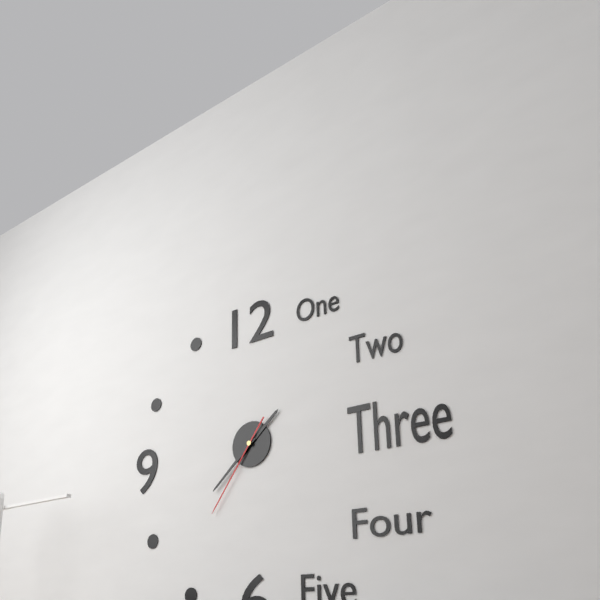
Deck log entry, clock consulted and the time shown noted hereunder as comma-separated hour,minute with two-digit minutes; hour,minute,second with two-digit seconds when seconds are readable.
1,38,36
